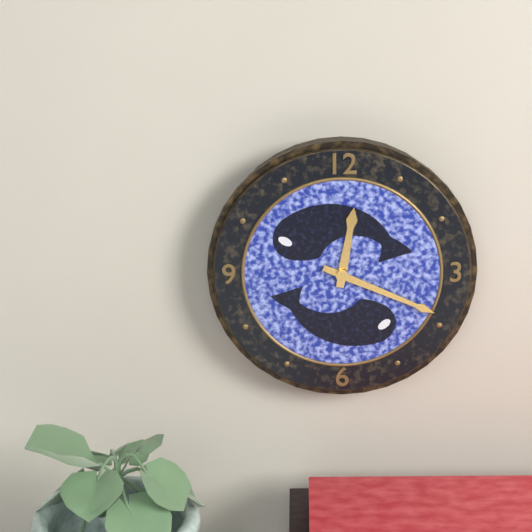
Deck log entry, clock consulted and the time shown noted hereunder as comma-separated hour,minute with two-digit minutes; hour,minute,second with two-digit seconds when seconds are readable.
12,19
